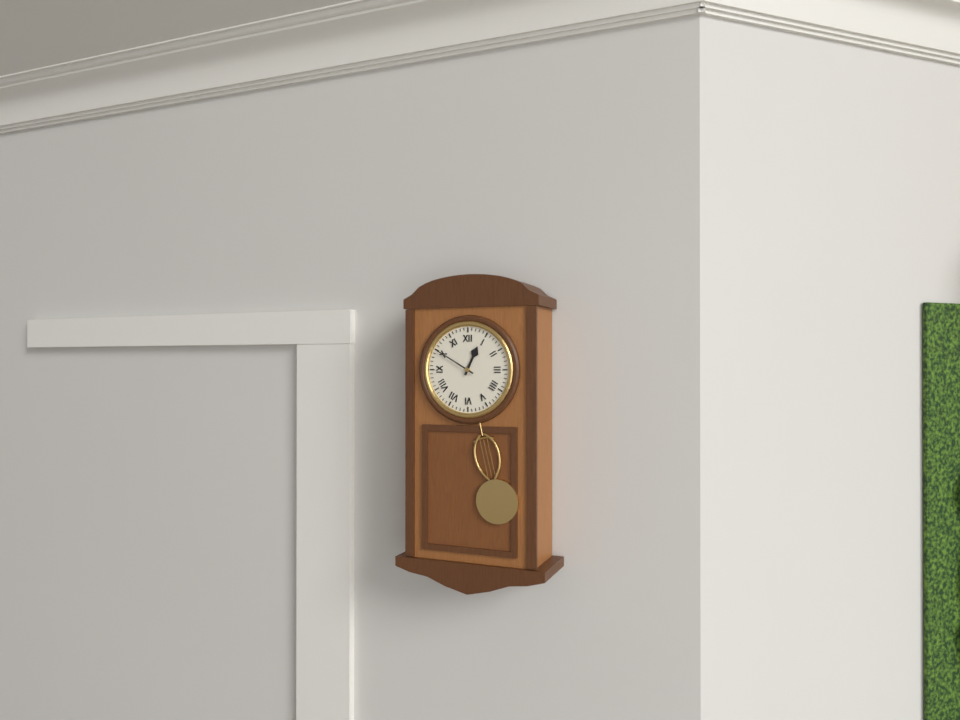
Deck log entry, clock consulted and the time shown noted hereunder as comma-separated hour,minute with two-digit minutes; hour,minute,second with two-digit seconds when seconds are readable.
12,50
